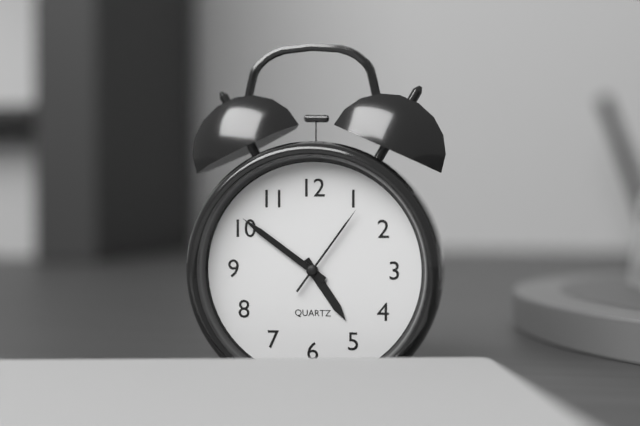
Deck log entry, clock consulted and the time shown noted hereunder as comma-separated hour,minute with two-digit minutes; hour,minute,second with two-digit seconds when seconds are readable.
4,51,06
